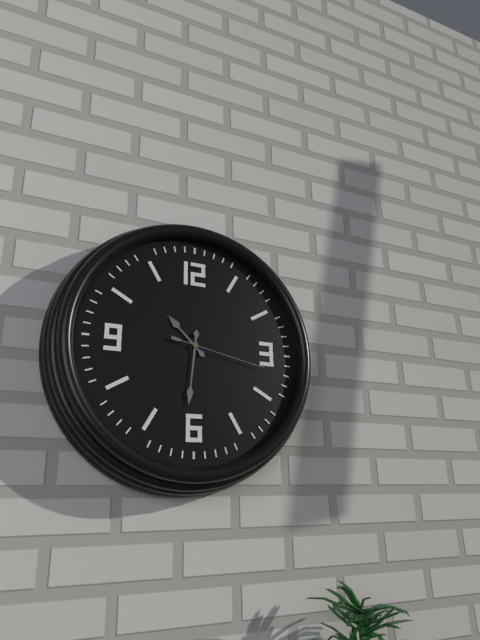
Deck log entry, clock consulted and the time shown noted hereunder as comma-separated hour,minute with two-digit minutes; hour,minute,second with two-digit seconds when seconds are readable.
10,31,17
